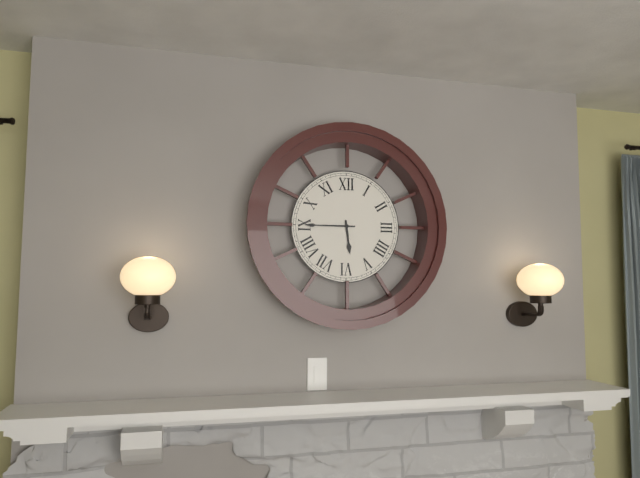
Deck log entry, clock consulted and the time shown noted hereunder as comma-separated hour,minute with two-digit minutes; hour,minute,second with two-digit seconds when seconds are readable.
5,45
